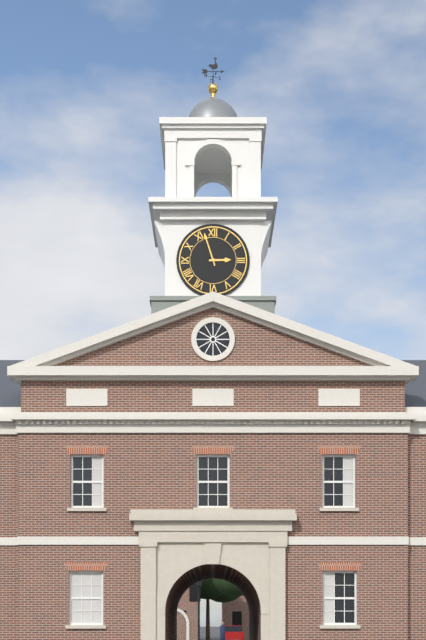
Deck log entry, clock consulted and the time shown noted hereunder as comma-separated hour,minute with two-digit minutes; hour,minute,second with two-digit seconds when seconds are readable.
2,57
